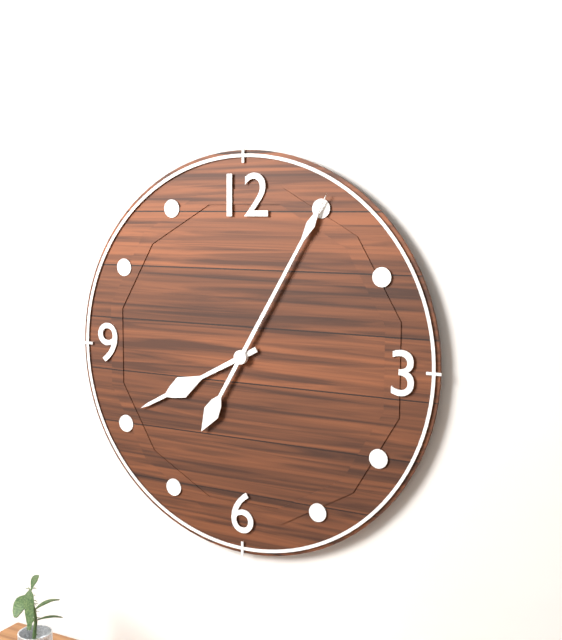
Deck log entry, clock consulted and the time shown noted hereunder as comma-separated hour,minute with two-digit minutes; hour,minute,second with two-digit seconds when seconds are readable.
8,05
